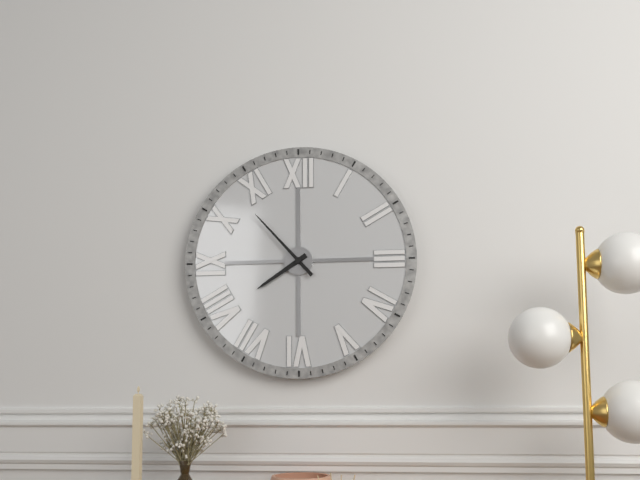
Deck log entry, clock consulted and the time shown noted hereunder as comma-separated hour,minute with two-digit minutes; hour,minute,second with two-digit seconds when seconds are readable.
7,53
